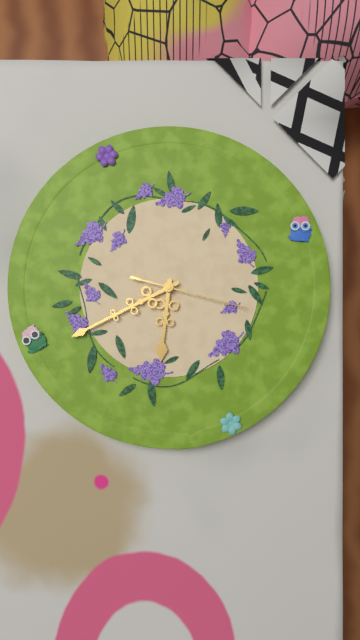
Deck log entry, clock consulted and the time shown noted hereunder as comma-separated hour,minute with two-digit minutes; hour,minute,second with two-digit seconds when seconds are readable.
6,43,20
